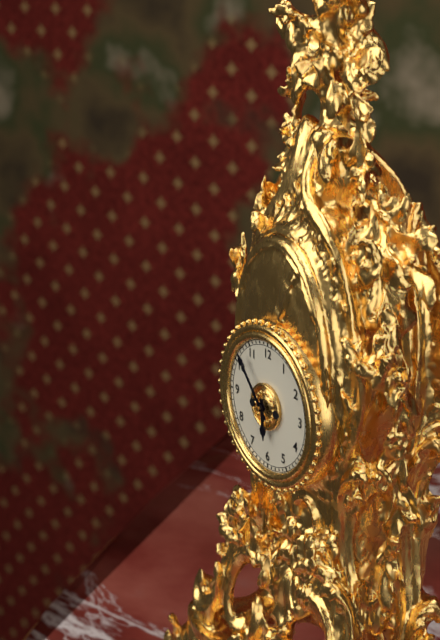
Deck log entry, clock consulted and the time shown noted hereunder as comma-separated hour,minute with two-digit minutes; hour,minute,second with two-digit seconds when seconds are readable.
5,53
